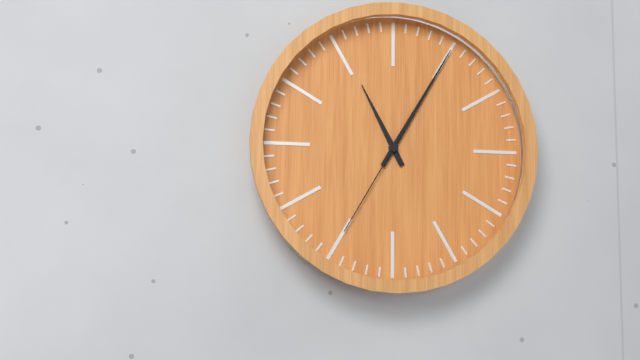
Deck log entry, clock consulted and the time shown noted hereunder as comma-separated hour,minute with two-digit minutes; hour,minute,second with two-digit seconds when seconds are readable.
11,05,35
